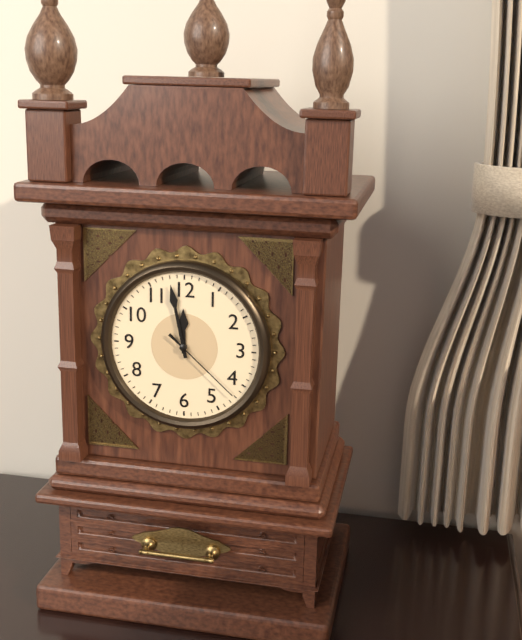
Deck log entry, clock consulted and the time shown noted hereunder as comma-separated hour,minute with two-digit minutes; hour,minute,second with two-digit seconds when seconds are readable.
11,58,22
